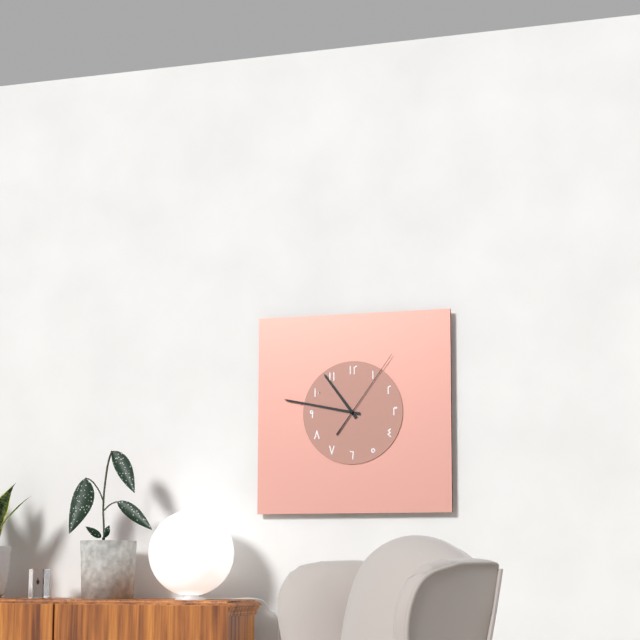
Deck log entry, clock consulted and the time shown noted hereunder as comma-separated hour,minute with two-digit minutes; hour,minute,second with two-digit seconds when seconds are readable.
10,47,06
